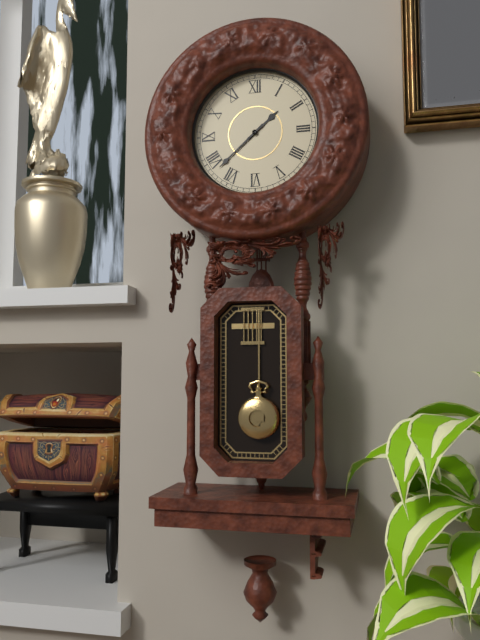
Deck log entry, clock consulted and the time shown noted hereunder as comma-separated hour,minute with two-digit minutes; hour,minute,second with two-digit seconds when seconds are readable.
1,38
